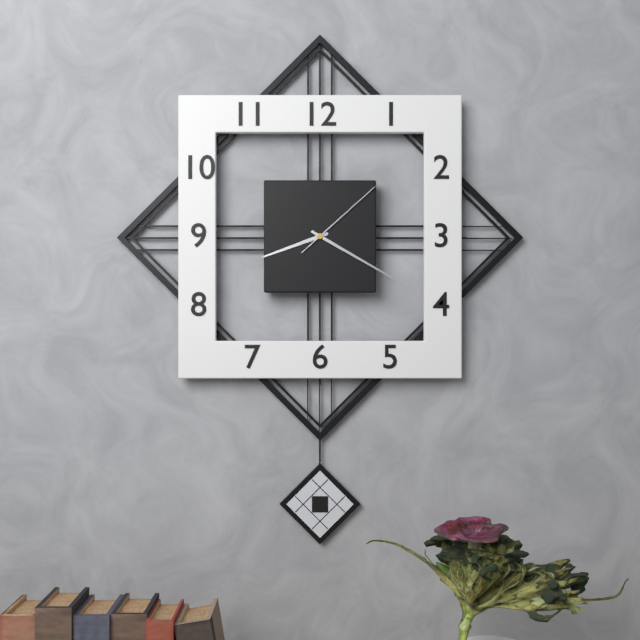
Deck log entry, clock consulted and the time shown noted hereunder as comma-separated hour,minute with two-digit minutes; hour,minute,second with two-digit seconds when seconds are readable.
8,20,08
